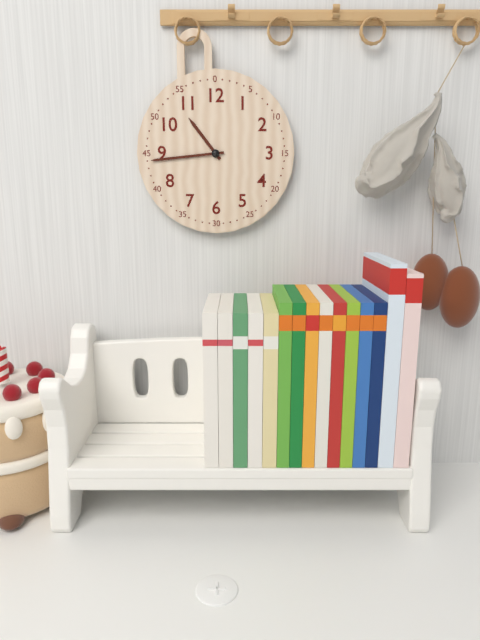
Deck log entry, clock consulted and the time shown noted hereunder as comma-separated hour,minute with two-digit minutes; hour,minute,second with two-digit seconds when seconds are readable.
10,44
